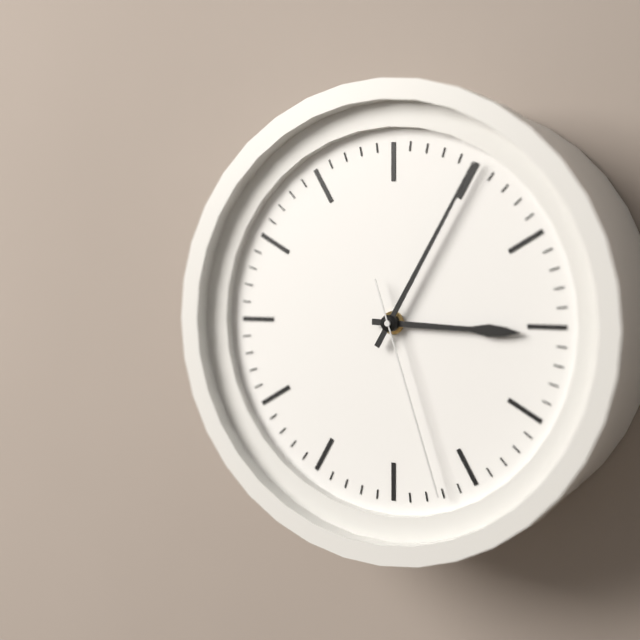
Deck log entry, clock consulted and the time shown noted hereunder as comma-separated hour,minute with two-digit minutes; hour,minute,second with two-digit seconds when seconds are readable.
3,05,27
